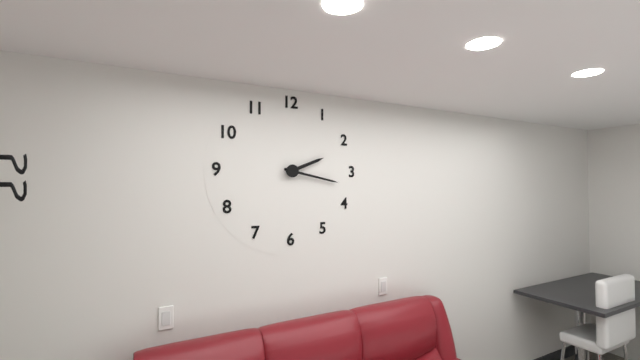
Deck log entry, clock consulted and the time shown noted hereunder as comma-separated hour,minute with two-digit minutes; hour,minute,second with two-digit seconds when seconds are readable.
2,17
